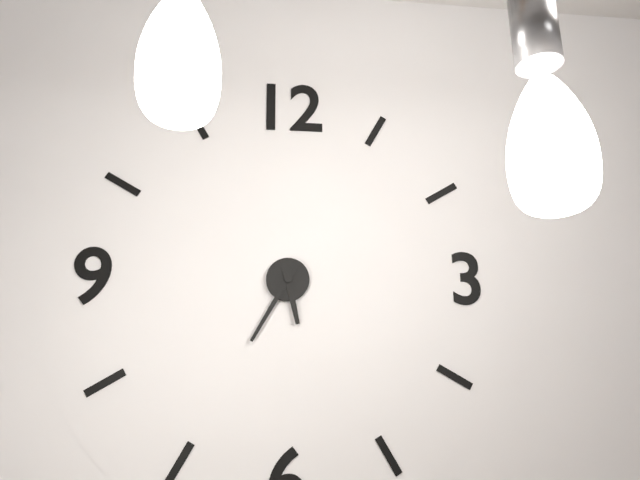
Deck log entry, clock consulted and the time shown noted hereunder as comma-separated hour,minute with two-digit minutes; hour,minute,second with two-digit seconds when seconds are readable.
5,35
